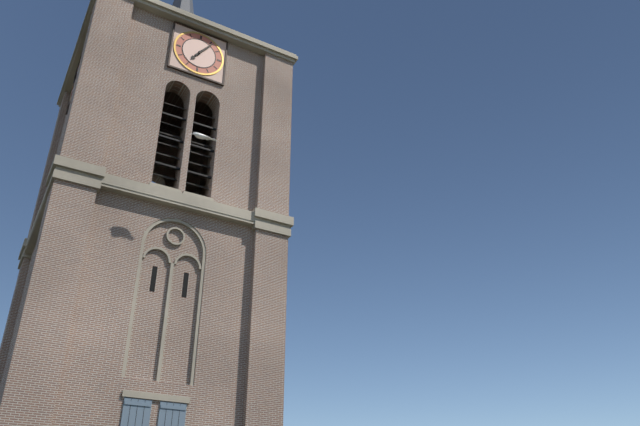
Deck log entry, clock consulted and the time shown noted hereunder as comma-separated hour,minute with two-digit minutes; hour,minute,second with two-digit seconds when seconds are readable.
7,06
